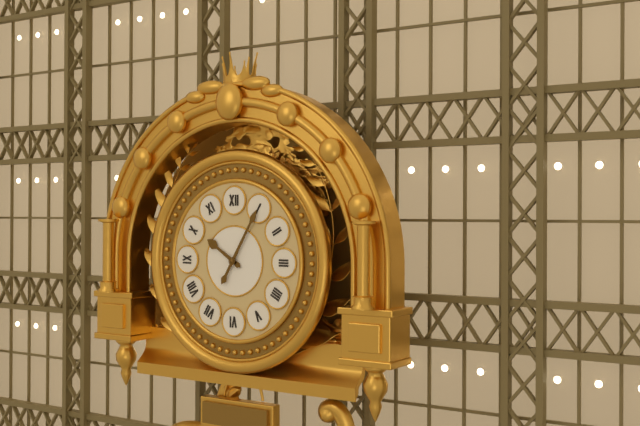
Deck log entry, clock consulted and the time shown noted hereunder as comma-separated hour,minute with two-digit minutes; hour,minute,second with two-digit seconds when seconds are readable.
10,05
